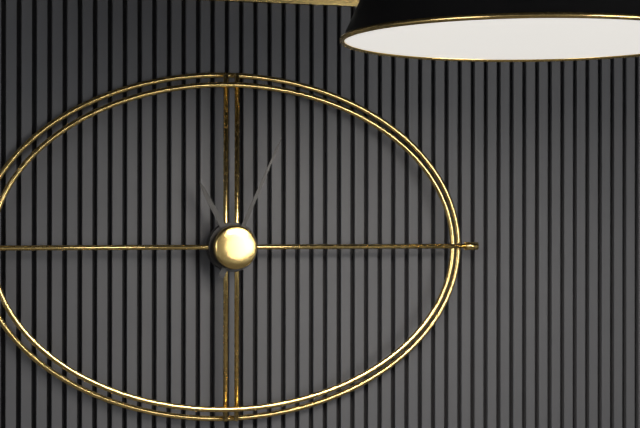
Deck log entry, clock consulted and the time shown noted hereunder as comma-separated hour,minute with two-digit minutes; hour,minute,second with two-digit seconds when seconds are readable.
11,04
